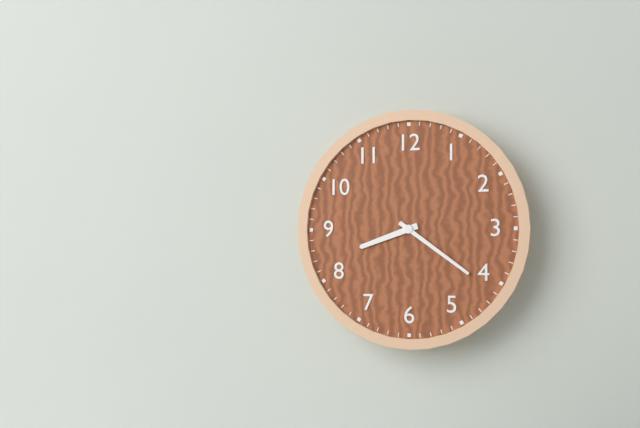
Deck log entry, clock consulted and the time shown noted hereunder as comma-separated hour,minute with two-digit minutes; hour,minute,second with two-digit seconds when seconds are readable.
8,21
